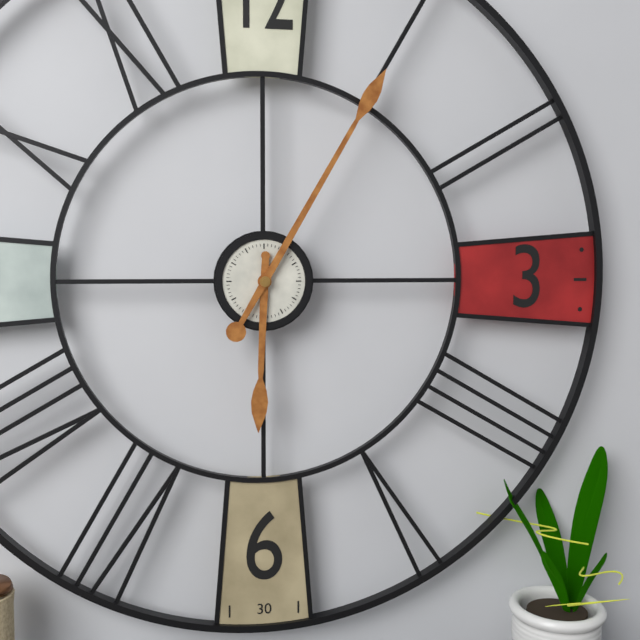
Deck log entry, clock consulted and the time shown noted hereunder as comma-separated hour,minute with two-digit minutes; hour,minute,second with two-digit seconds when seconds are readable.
6,05
